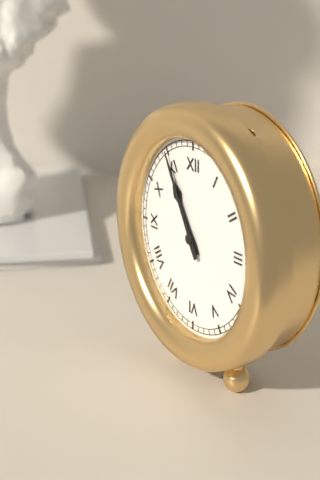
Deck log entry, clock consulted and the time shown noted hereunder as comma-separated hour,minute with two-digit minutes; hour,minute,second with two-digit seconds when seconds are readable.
10,55
